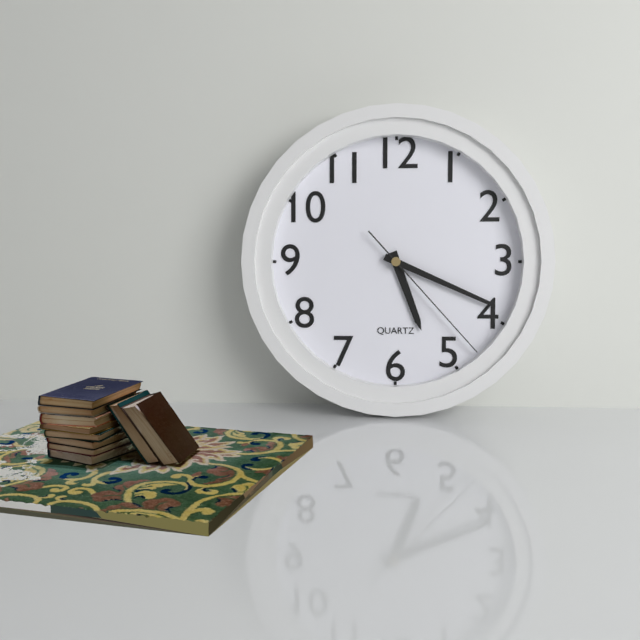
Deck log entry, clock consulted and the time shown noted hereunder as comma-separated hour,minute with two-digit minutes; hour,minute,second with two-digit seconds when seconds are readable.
5,19,23
